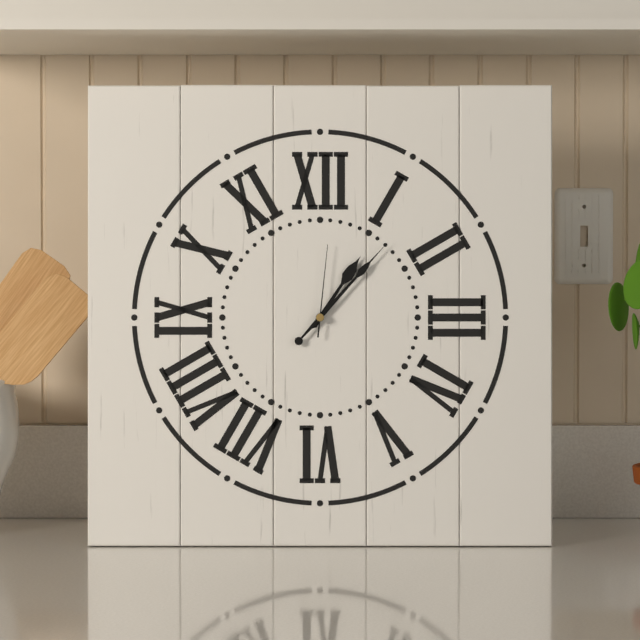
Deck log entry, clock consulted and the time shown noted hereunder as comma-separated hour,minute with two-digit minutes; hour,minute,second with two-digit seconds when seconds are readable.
1,07,01
